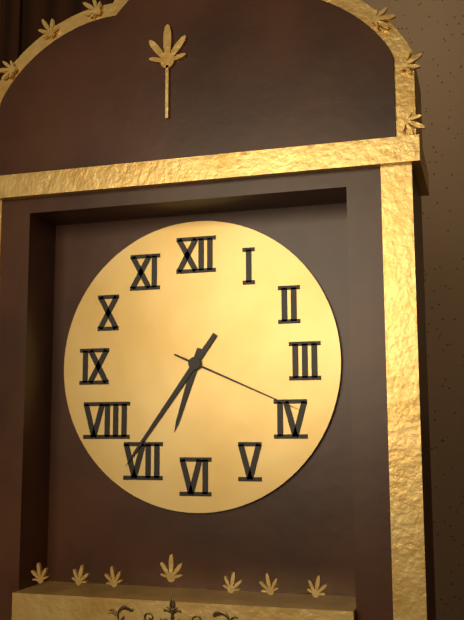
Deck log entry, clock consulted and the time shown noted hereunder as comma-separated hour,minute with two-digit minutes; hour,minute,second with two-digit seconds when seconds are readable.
6,36,19
